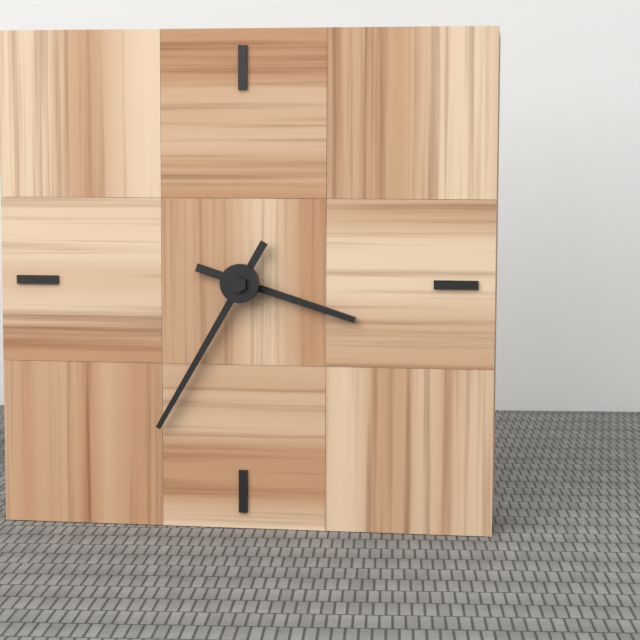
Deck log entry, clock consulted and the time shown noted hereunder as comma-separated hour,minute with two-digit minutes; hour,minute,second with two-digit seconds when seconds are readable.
3,35
